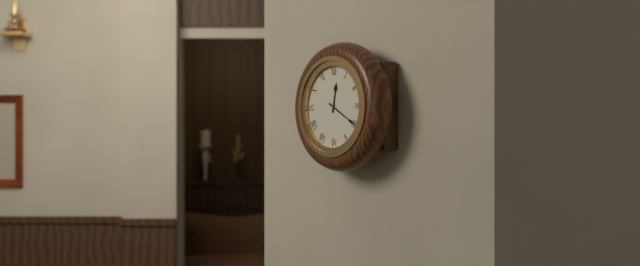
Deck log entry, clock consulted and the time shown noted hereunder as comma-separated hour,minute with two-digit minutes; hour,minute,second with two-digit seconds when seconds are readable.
12,20
